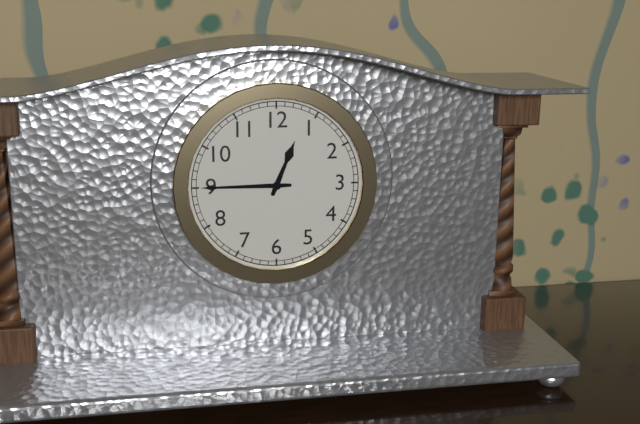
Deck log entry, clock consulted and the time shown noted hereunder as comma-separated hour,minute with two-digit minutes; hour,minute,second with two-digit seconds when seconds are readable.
12,45
